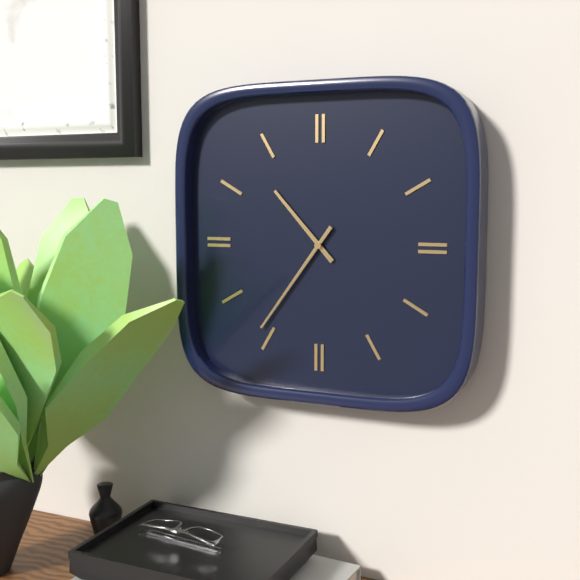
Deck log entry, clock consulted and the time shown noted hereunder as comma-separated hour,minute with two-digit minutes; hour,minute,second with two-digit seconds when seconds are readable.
10,36
